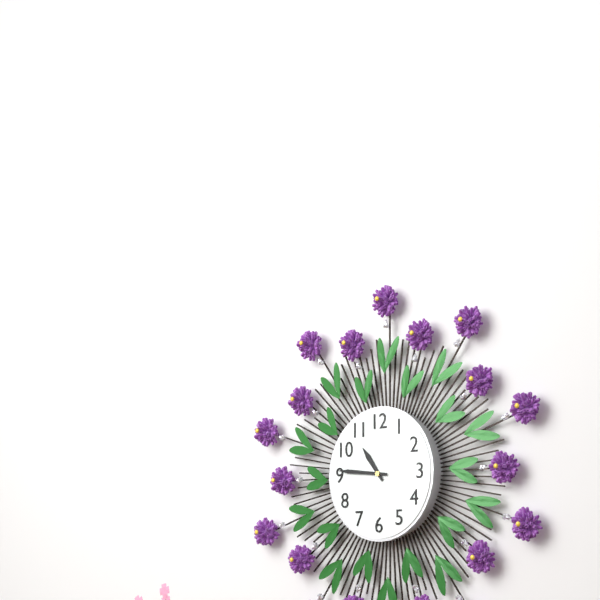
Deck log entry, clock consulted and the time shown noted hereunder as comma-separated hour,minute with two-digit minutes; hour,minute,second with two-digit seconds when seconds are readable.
10,46
